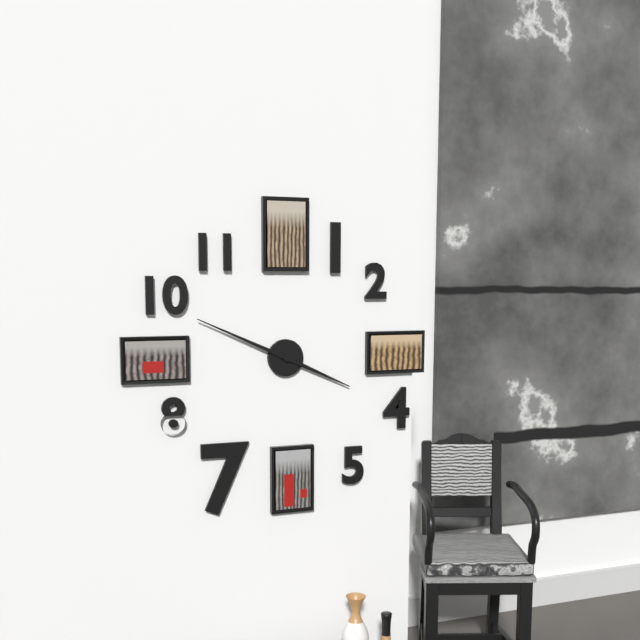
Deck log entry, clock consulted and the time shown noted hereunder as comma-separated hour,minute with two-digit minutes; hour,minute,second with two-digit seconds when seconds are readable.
3,49
